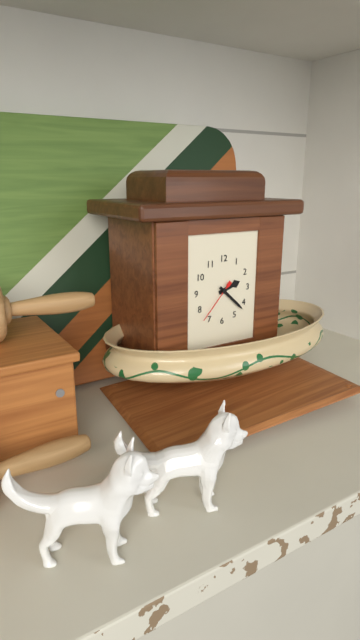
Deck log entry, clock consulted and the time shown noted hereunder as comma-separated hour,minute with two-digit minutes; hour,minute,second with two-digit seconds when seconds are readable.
2,22
